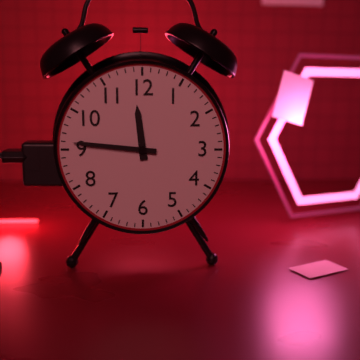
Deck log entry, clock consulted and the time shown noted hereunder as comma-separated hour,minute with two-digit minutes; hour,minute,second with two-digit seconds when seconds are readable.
11,46
